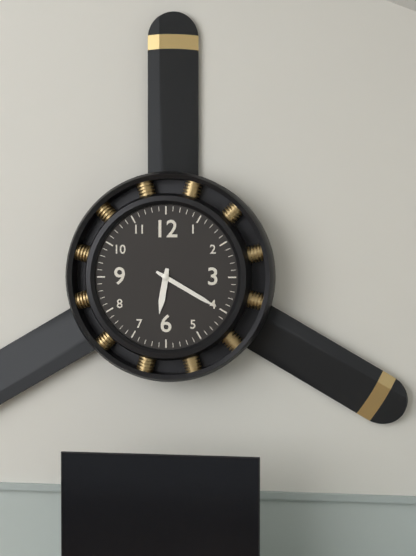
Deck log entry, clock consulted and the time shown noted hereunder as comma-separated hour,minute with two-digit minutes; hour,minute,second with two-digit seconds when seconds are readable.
6,20
